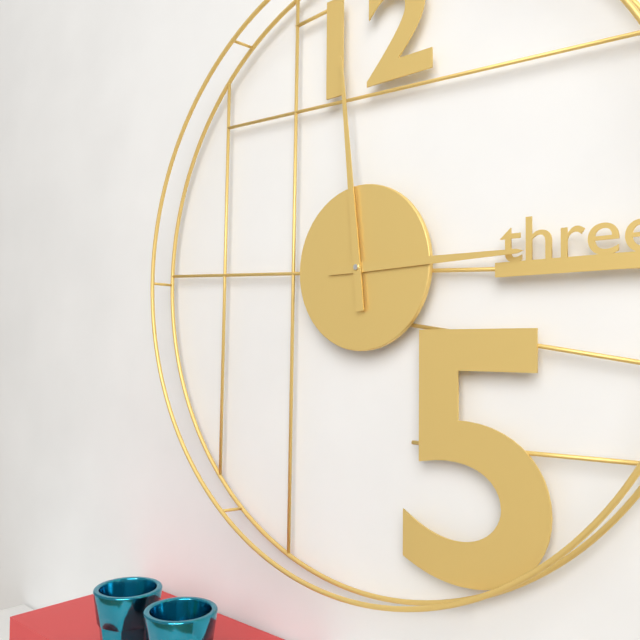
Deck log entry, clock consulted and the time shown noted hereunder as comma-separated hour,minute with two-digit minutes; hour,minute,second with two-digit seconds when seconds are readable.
2,59
